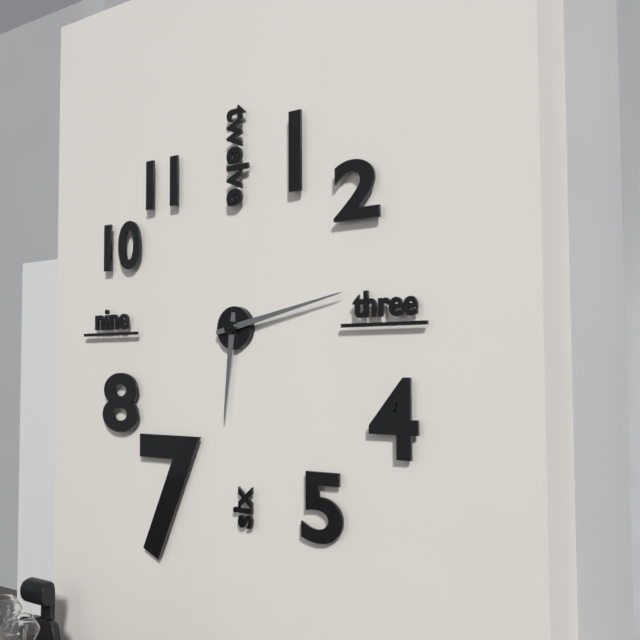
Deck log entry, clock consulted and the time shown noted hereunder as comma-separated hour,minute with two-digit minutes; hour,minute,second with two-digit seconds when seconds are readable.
6,13
